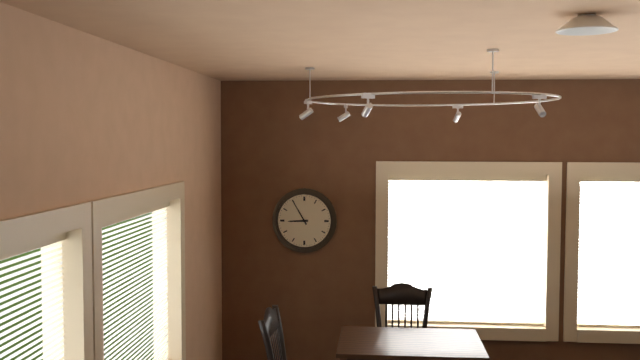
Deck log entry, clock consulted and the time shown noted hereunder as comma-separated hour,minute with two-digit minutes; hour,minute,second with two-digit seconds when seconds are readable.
8,55
